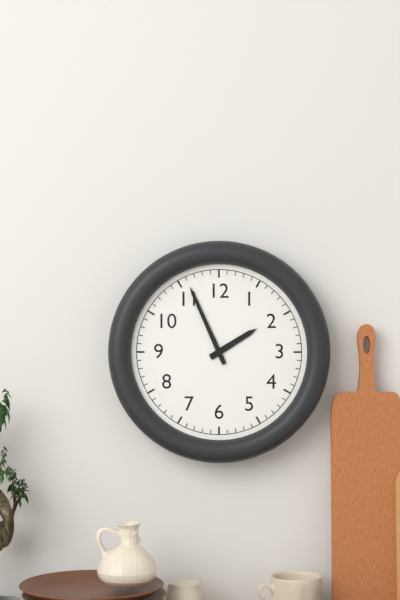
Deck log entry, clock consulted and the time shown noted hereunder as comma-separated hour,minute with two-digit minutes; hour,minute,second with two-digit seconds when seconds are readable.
1,56
